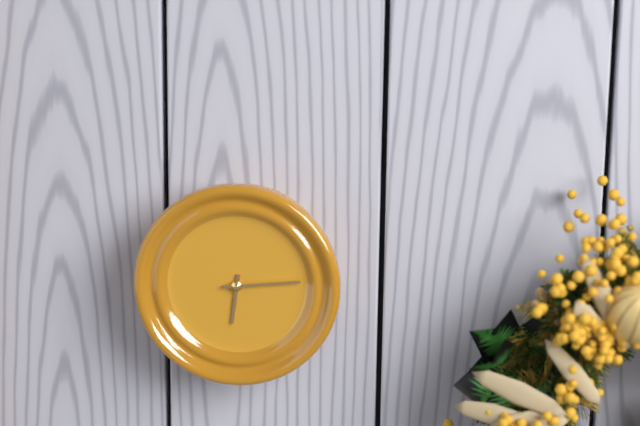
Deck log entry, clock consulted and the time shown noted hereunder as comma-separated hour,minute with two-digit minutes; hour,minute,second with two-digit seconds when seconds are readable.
6,14
